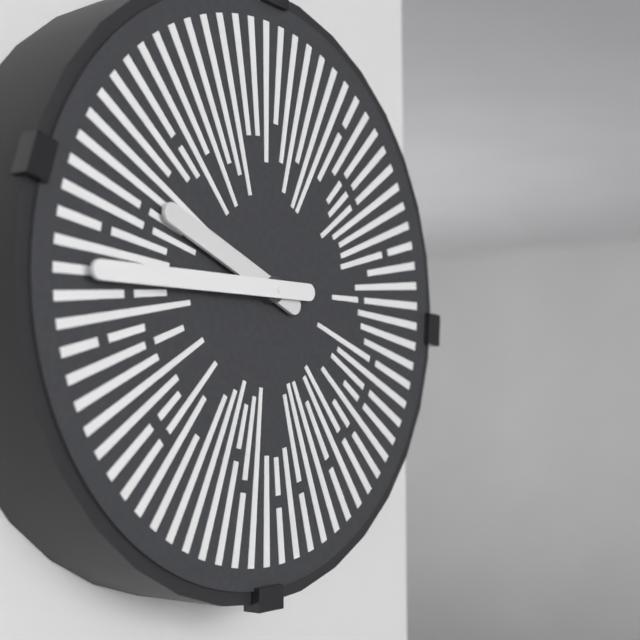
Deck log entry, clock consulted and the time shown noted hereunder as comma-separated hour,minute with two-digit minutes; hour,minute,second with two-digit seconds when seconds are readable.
9,45
